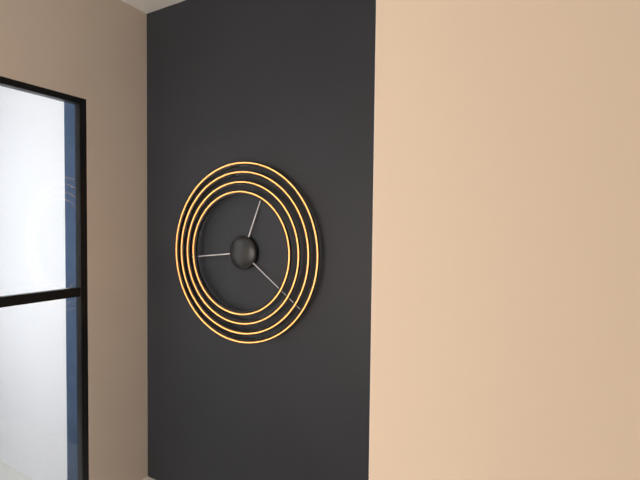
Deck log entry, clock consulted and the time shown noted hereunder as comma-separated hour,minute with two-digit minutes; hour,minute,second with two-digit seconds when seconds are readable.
12,44,21
